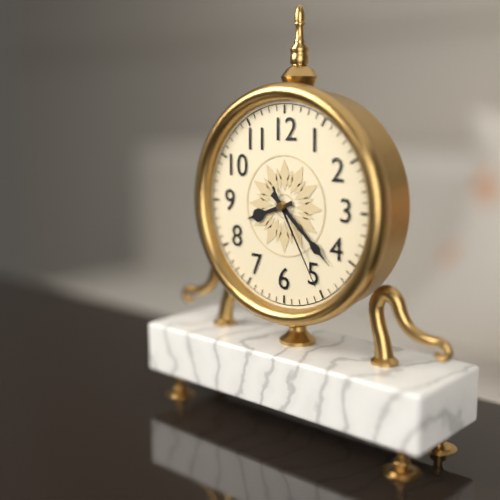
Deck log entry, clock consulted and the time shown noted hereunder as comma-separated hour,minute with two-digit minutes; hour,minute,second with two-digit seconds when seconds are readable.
8,22,25
